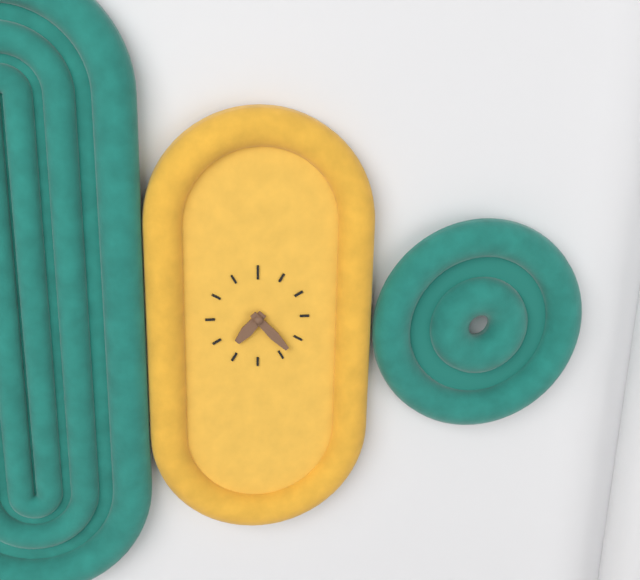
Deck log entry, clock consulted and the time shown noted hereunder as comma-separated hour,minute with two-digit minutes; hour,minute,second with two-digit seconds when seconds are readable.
7,23
